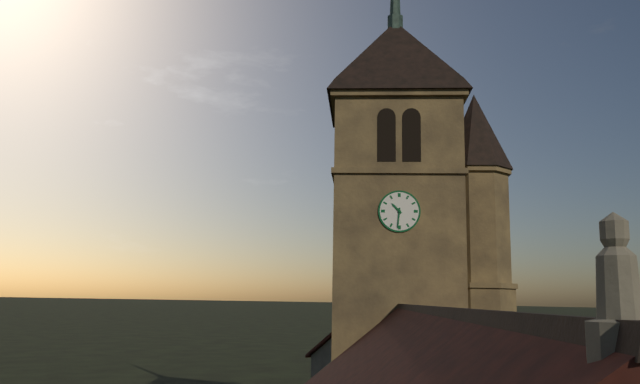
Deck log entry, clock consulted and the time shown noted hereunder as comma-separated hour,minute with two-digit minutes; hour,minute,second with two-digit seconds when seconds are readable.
10,31
